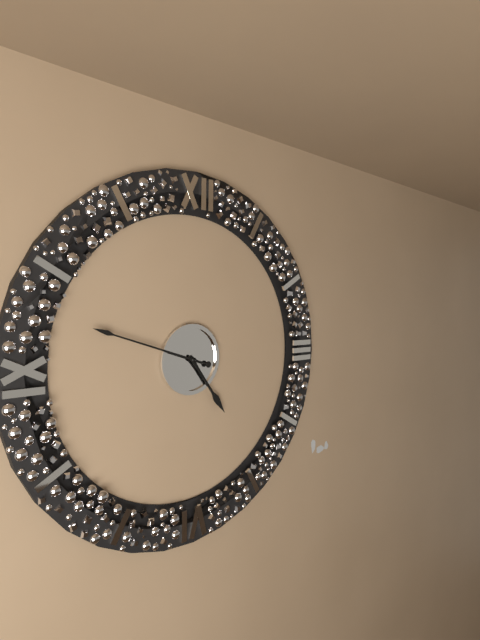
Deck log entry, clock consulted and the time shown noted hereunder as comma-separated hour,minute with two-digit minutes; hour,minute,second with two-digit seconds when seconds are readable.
4,48
